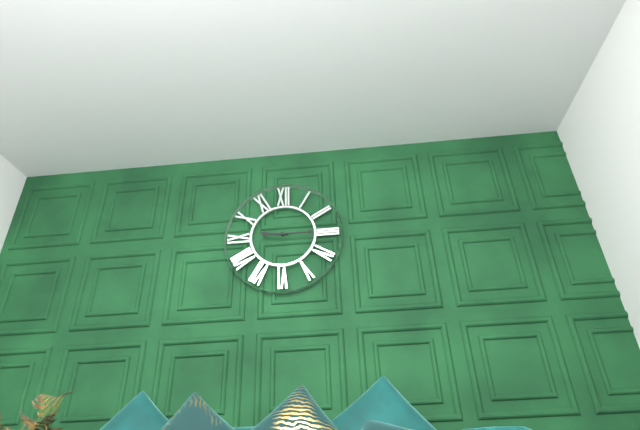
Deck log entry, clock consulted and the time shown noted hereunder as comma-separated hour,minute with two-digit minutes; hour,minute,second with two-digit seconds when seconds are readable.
9,15
